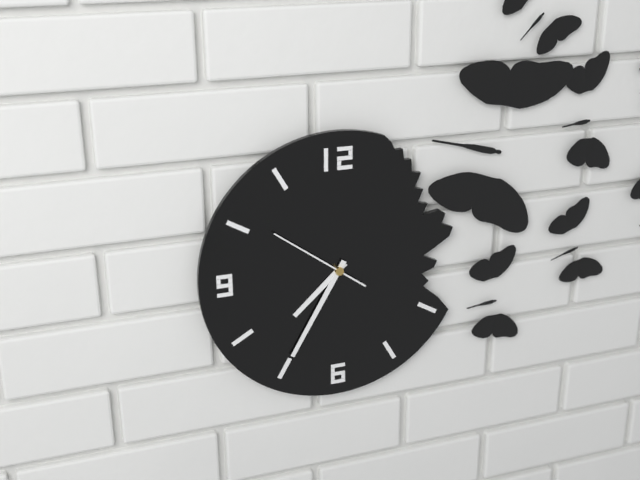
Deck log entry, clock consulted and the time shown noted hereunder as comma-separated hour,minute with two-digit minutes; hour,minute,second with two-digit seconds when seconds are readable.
7,35,51
